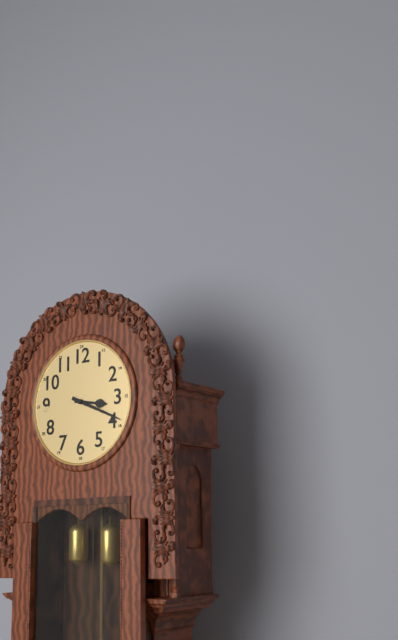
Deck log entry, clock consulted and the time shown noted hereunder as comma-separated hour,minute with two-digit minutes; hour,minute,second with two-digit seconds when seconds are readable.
3,19
